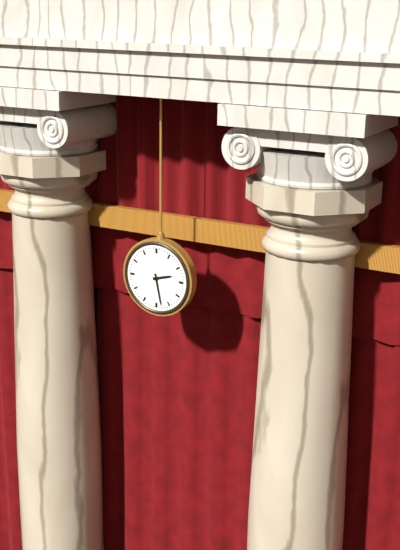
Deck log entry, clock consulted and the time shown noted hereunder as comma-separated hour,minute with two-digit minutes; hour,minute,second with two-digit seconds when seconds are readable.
2,28
